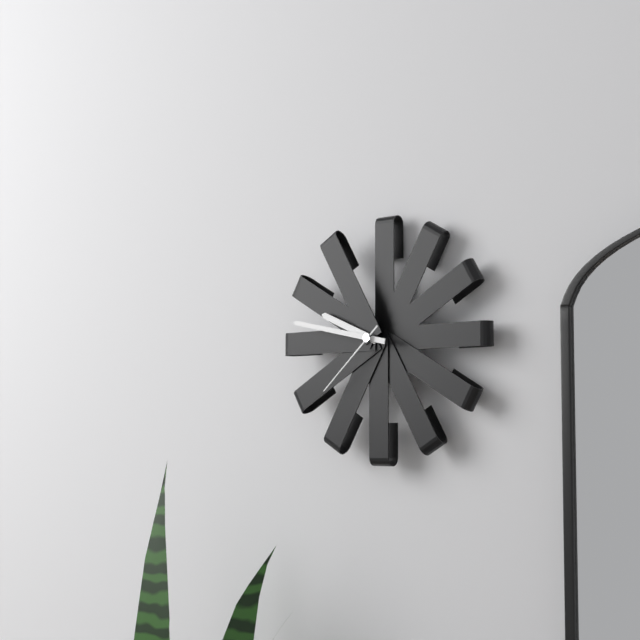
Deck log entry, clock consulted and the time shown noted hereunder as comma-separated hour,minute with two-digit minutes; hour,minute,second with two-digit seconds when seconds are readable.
9,47,38
